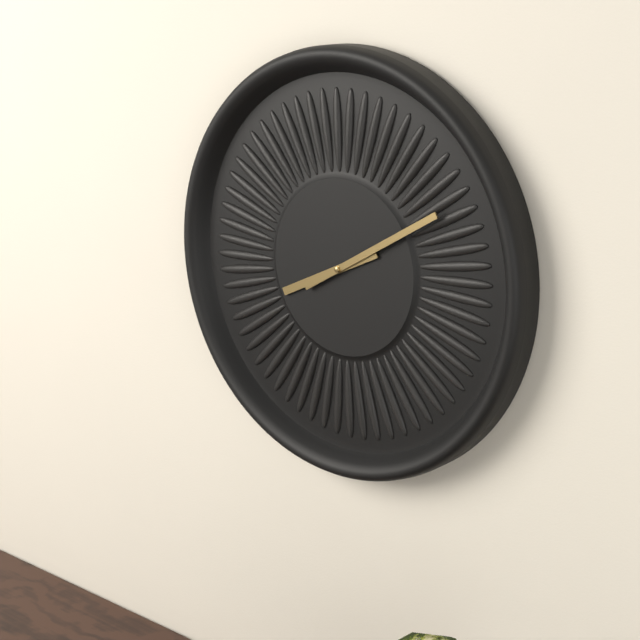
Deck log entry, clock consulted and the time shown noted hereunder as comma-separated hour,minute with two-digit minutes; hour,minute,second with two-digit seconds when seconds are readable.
8,10
